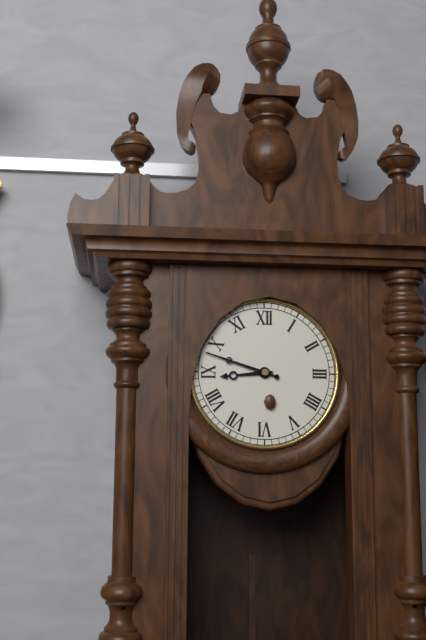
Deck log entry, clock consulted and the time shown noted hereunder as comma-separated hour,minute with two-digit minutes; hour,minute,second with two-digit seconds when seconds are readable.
8,48
